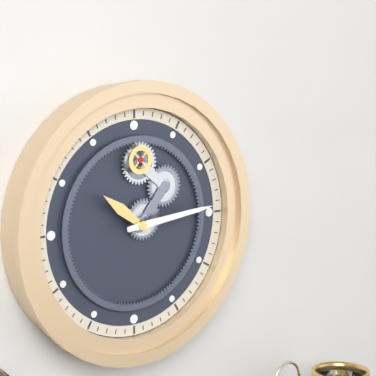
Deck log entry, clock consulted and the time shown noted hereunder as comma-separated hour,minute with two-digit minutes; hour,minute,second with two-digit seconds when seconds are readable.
10,14
